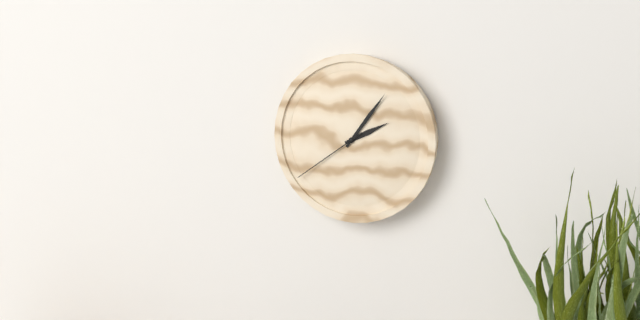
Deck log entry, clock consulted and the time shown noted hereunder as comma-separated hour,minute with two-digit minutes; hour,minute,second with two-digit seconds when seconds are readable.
2,06,39
